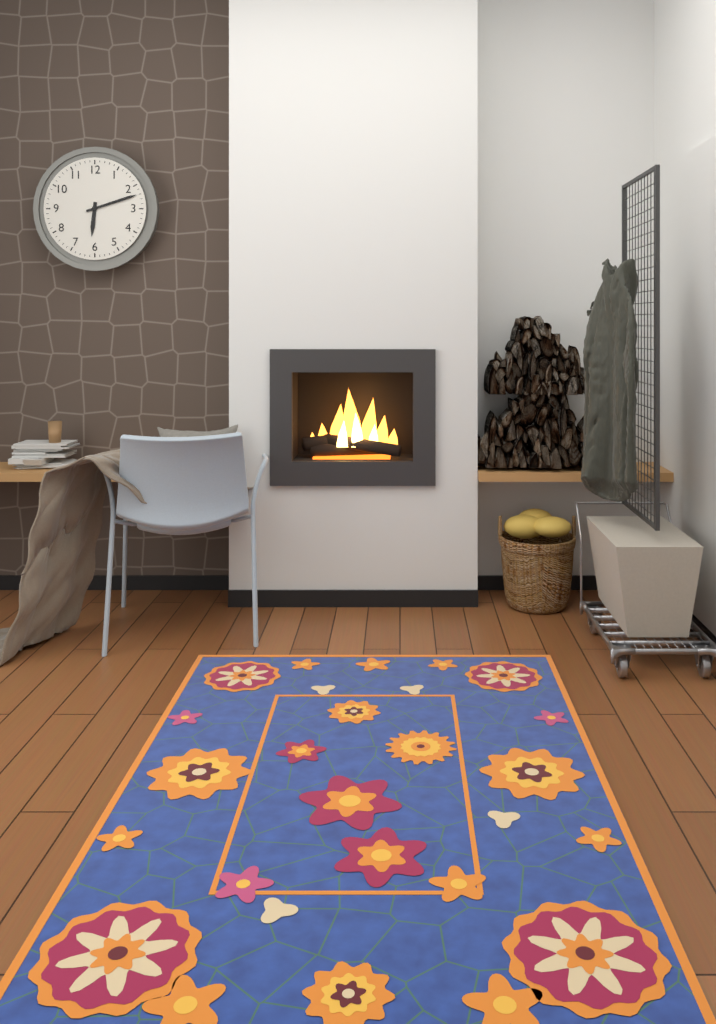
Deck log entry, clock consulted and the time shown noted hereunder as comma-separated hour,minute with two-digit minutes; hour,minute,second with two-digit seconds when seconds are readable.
6,12
